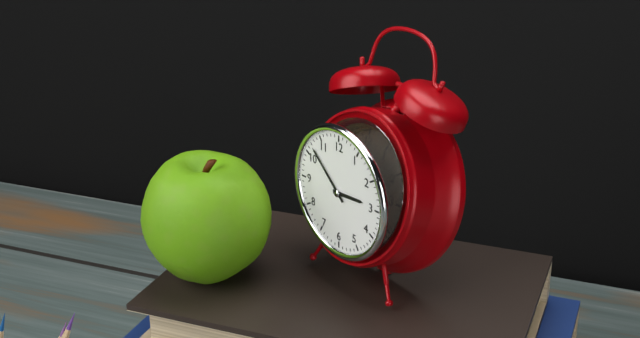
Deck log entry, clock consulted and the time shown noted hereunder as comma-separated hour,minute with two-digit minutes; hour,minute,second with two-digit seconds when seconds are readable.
2,52
